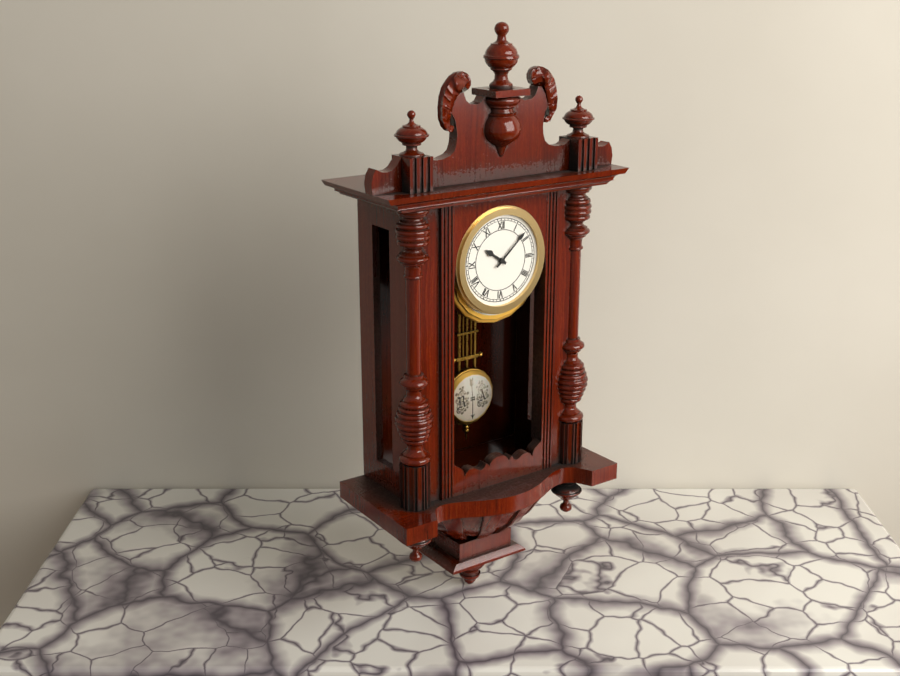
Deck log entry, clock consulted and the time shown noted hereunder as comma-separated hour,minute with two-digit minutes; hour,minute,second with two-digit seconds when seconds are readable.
10,08
